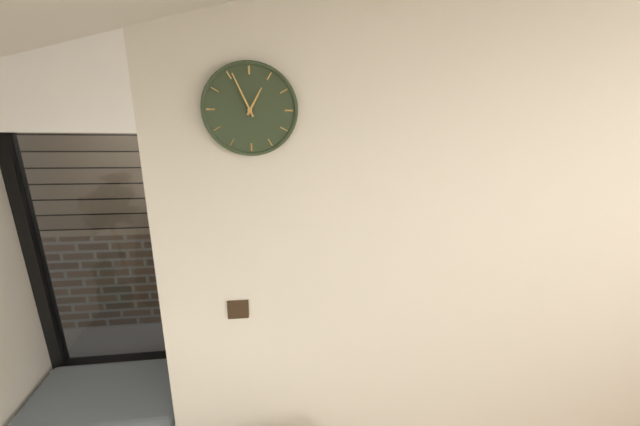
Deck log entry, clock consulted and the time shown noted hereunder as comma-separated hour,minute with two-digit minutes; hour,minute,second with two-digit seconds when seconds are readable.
12,56
